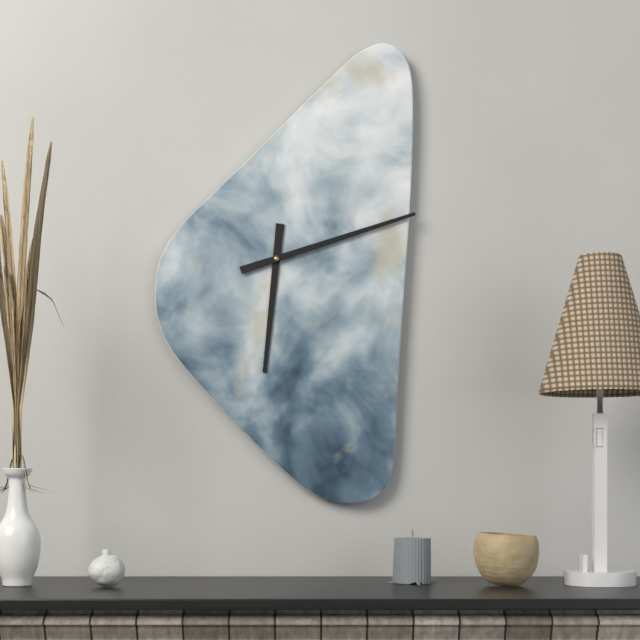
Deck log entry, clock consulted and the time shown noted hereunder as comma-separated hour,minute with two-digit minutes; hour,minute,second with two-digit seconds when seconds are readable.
6,12
